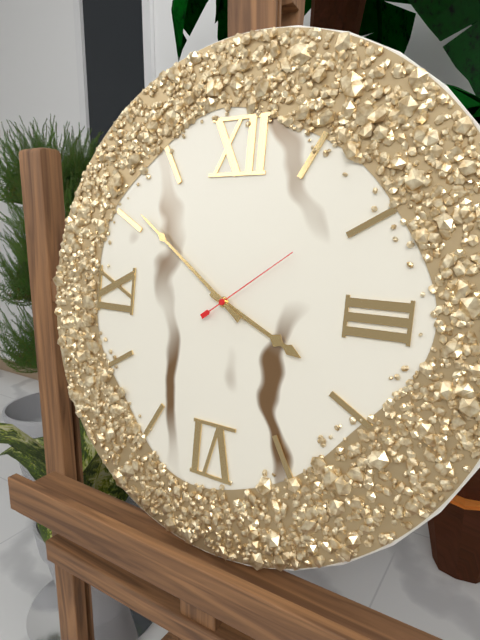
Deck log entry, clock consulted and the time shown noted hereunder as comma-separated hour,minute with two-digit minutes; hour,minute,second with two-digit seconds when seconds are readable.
3,51,09
